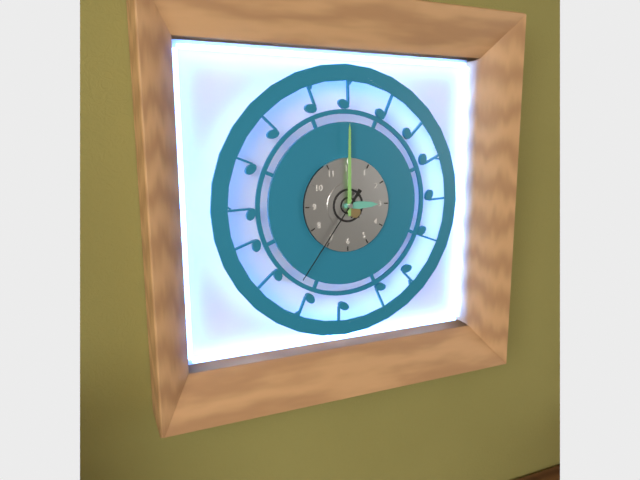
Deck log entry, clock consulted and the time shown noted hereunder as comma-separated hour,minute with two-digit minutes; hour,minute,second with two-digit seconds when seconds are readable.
3,00,36
